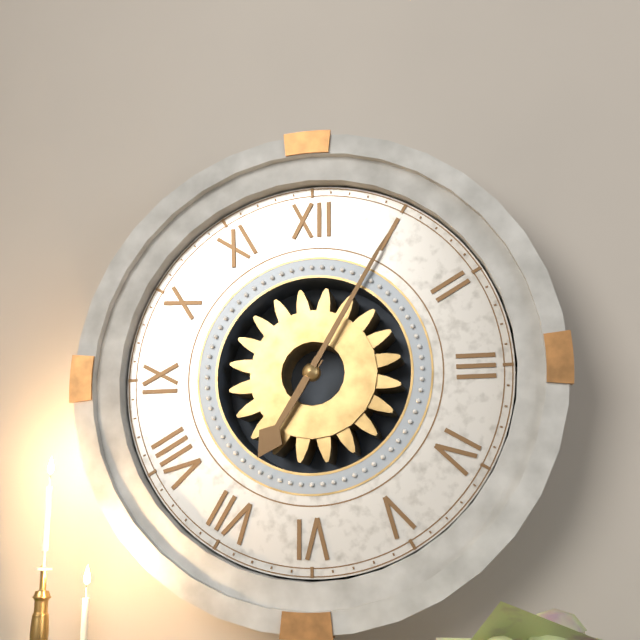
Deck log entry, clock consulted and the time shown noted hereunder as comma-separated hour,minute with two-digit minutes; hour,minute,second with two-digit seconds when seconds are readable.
7,05
